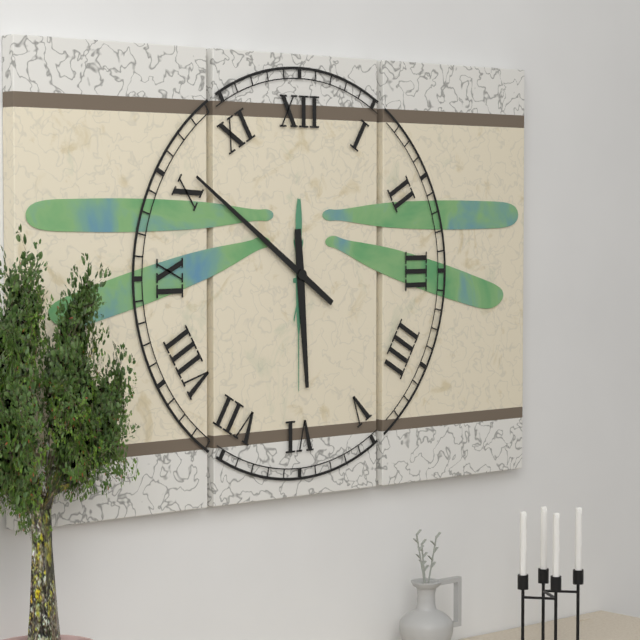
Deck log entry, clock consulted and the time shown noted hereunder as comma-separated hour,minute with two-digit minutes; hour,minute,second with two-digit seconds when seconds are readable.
5,51
